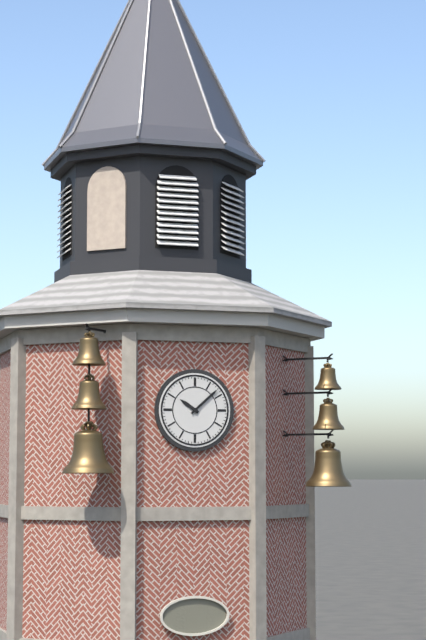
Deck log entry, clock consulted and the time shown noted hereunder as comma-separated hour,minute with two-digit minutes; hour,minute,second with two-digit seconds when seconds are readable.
10,08
